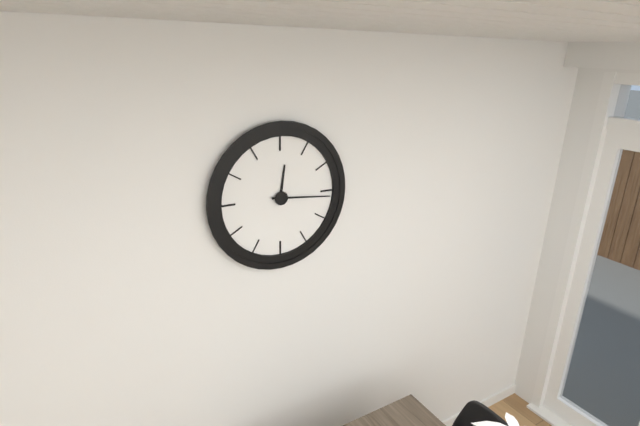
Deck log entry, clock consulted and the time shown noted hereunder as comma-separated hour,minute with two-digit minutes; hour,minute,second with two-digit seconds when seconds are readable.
12,16
